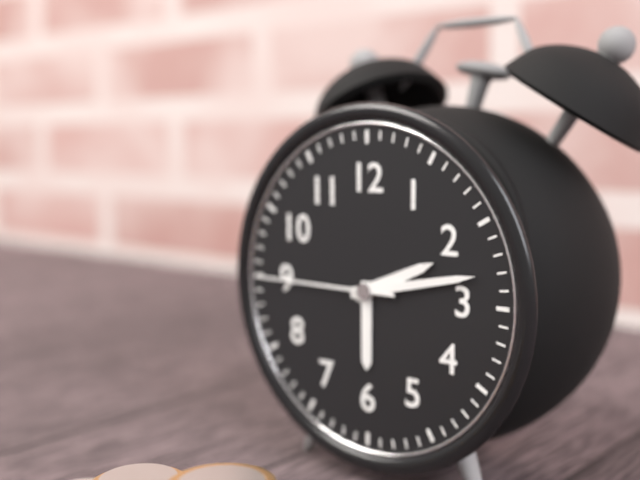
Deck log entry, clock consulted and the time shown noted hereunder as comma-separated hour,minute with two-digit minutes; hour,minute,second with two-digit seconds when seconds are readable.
2,13,45
